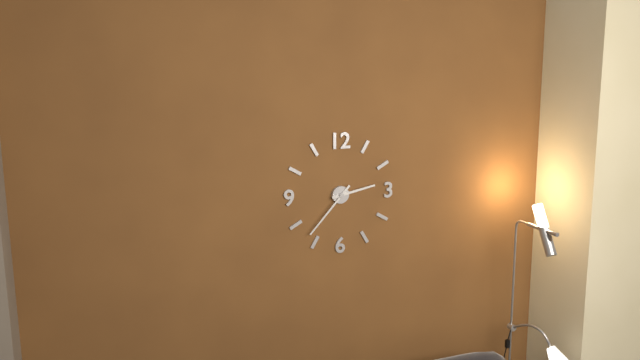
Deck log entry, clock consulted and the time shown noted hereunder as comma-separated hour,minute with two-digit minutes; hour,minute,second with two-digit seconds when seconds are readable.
2,37
